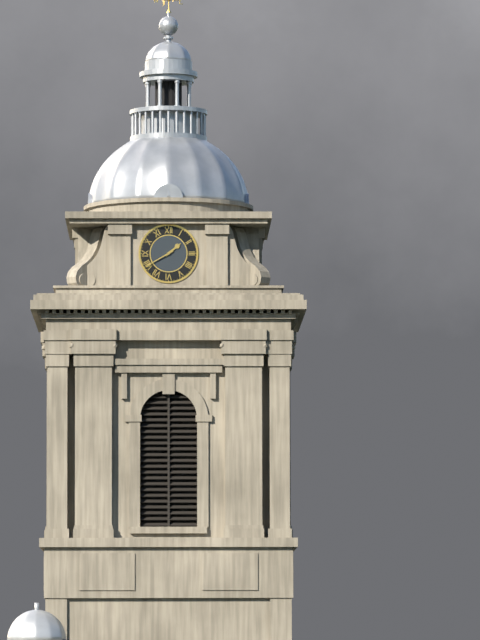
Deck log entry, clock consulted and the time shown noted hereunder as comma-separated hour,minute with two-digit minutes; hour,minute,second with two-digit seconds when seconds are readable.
1,40
